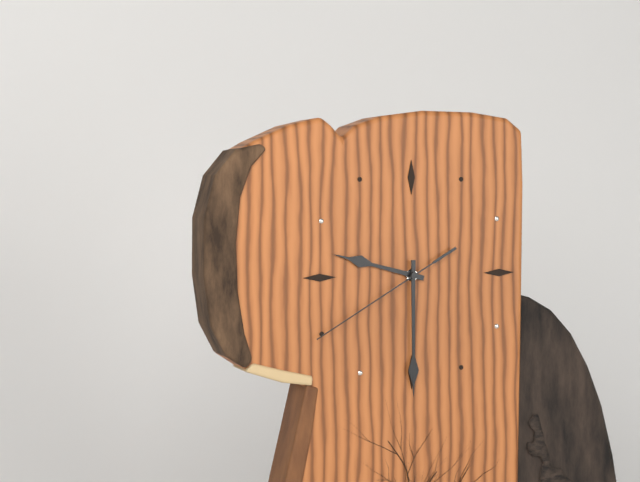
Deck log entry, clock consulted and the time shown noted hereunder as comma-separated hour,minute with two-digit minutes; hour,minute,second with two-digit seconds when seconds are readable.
9,30,40
